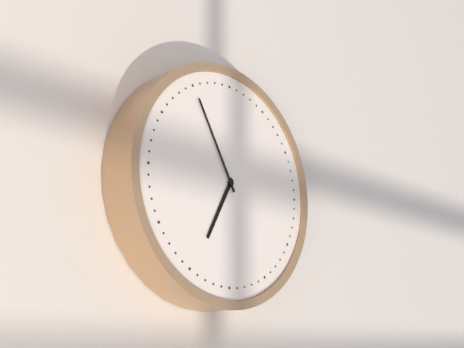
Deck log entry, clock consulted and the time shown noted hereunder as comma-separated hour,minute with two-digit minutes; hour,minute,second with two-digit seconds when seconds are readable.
6,55
